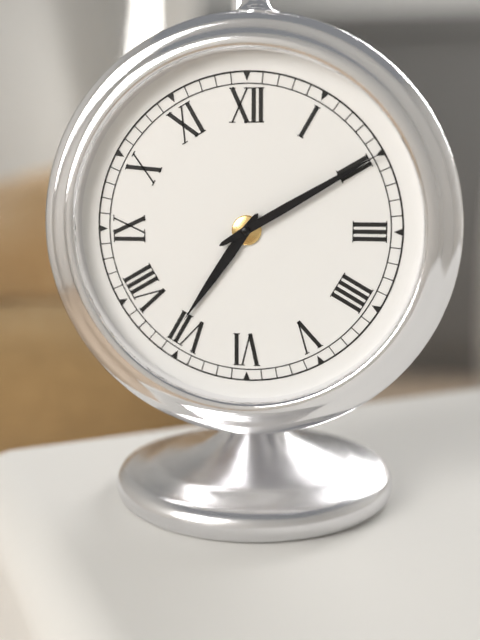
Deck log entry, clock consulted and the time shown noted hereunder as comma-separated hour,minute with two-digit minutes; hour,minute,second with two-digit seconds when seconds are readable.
7,10
